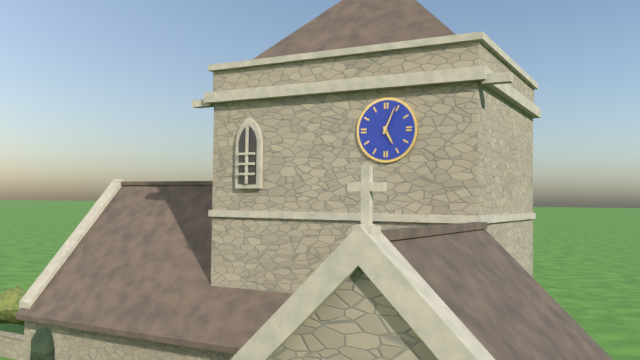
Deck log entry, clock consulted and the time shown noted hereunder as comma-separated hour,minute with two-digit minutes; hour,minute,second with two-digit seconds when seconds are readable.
5,04
